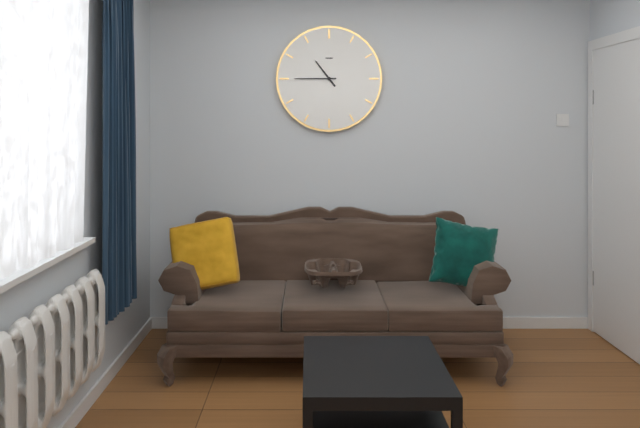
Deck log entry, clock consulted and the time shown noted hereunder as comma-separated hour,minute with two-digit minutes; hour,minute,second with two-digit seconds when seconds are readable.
10,45
